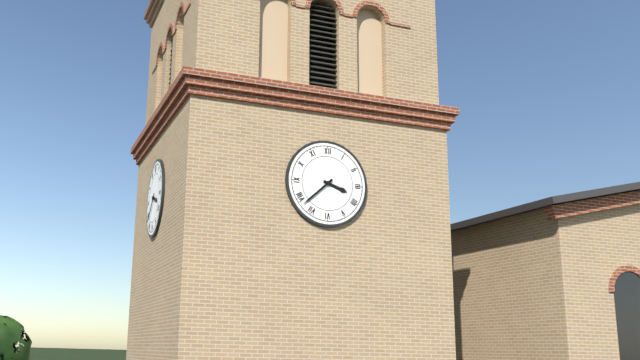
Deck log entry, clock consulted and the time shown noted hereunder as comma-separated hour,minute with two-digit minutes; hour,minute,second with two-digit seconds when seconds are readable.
3,38
